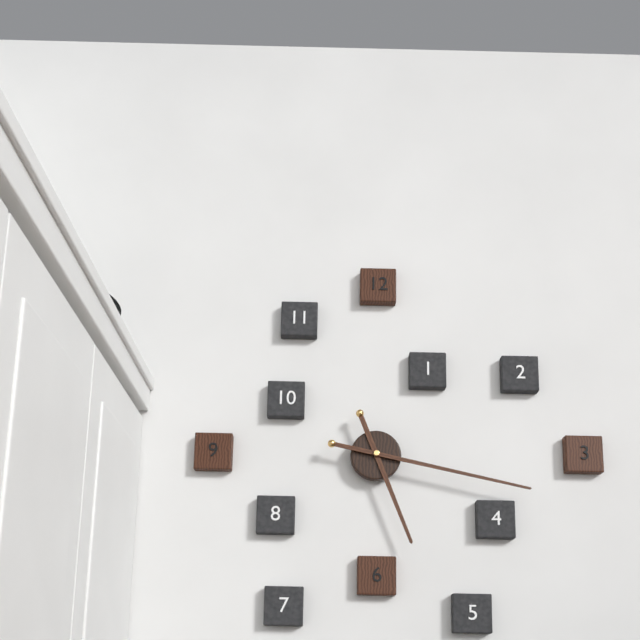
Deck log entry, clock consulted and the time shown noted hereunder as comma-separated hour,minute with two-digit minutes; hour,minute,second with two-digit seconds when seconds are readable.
5,17
